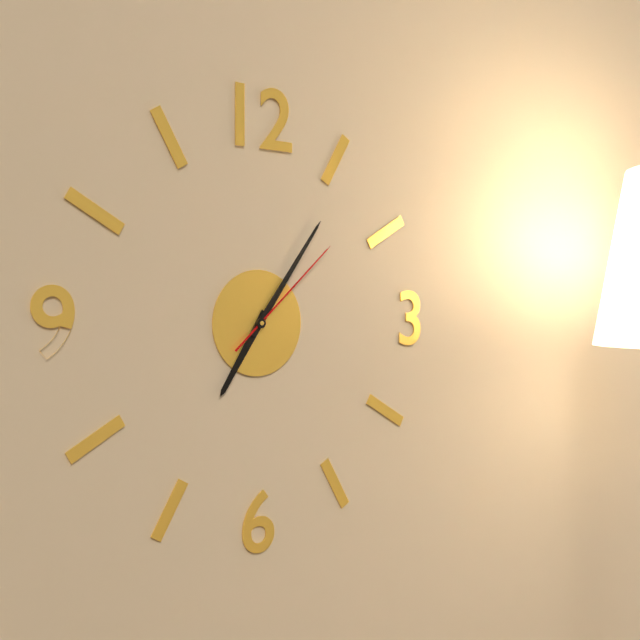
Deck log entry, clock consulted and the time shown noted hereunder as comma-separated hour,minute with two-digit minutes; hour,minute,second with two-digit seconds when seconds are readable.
7,06,08
